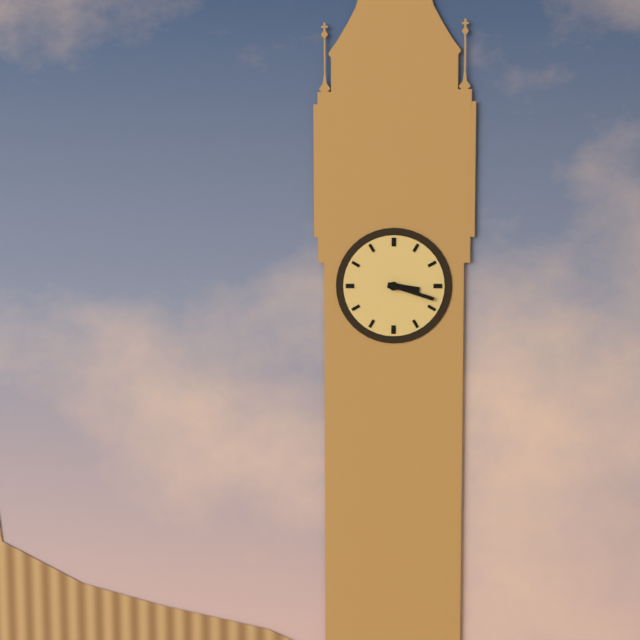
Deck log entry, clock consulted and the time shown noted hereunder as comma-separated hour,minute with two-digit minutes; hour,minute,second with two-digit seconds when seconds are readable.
3,18
